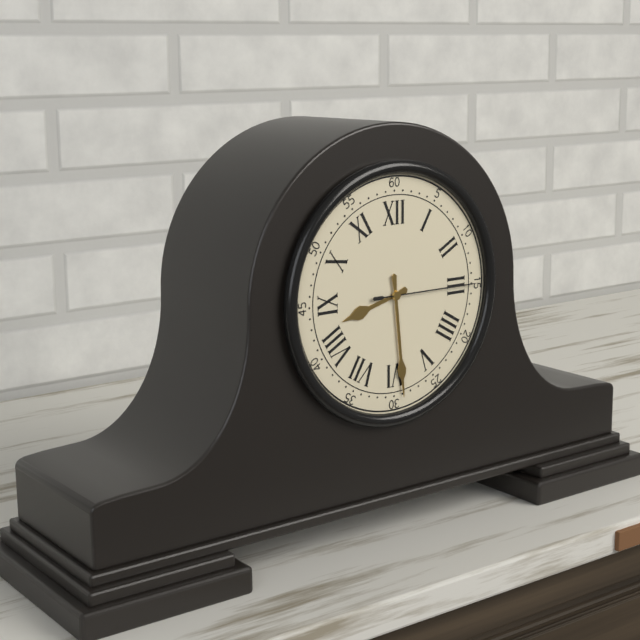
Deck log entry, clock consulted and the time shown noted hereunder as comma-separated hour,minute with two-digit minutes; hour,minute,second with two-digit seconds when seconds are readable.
8,29,15
